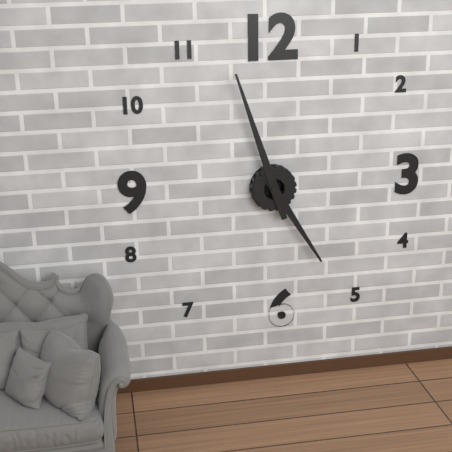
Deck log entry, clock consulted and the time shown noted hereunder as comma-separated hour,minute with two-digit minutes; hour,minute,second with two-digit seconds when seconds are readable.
4,57
